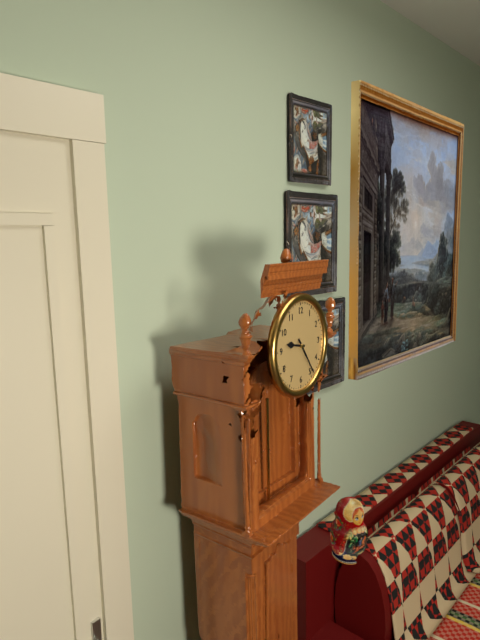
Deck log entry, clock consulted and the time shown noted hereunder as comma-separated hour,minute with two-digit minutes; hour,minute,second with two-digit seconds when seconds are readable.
9,24
